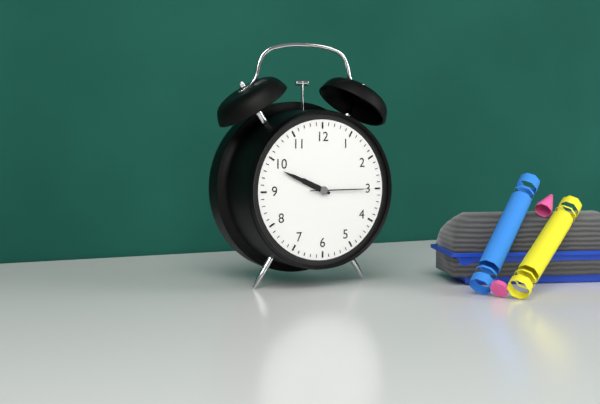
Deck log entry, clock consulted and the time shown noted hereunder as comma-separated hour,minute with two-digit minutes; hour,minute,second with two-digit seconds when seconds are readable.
9,49,15
